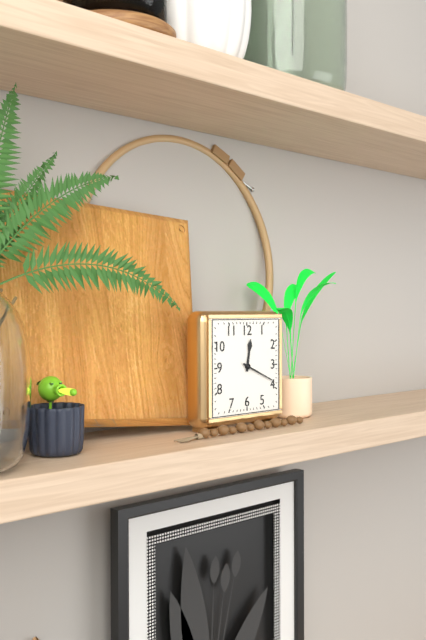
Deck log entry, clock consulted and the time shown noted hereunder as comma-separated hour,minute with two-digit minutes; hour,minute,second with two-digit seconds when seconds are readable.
12,19
